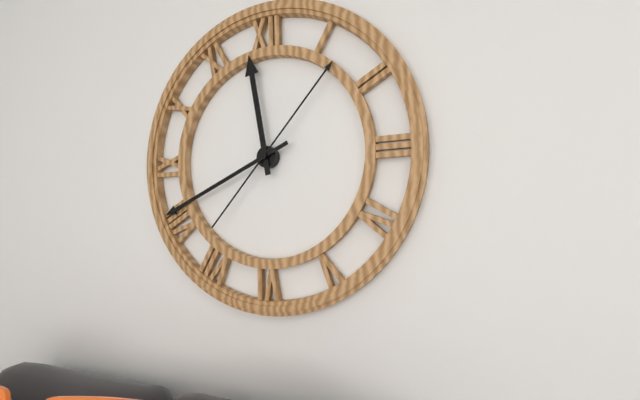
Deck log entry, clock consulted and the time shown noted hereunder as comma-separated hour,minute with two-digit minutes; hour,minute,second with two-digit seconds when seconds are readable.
11,41,07
